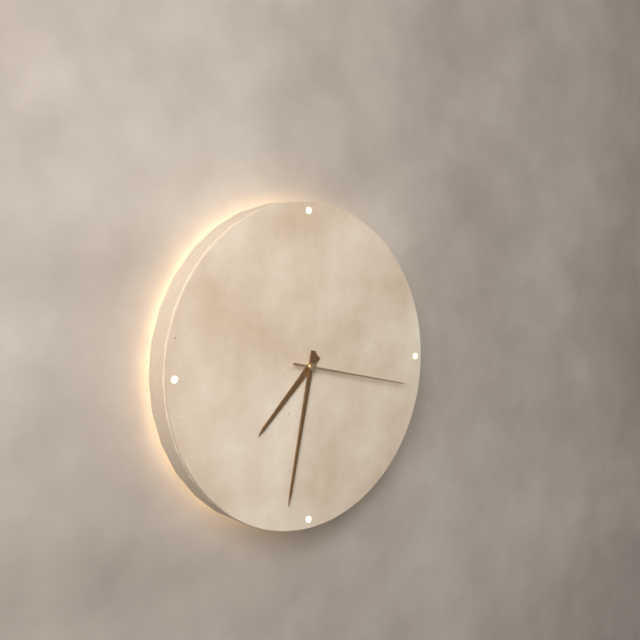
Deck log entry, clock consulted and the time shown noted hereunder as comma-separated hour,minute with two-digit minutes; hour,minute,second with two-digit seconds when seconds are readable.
7,32,17
